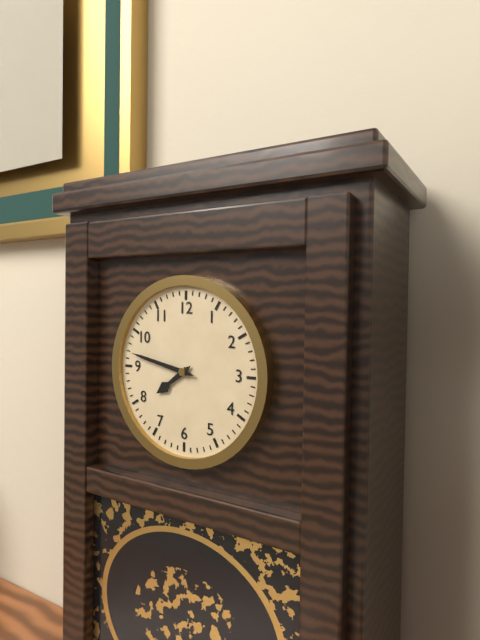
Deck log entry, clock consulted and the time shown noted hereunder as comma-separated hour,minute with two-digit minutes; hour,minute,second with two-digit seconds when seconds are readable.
7,47
